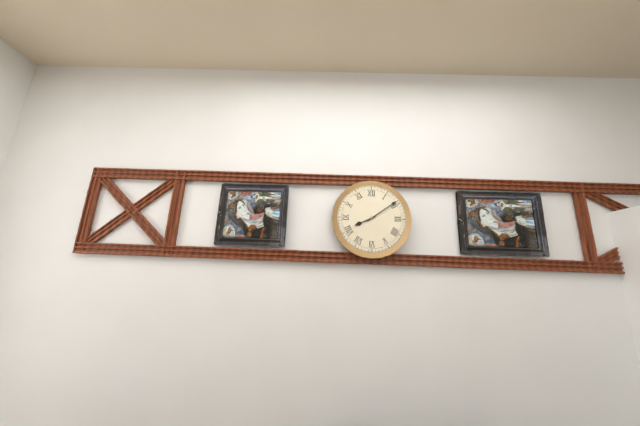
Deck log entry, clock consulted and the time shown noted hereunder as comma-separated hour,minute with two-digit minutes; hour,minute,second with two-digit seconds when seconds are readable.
8,09
